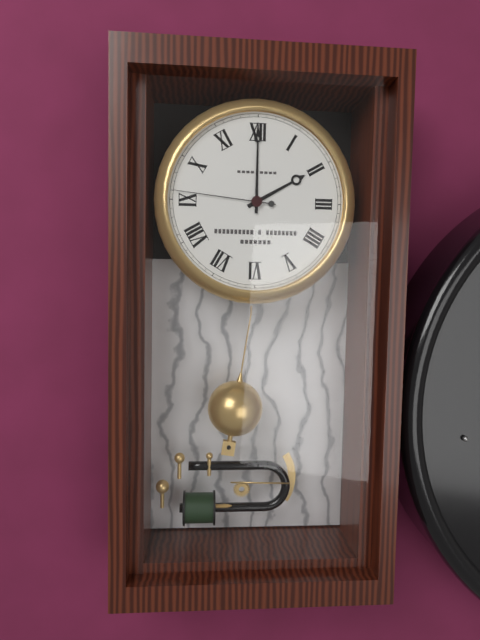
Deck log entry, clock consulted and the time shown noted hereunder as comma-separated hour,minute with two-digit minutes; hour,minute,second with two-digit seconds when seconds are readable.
2,00,46
